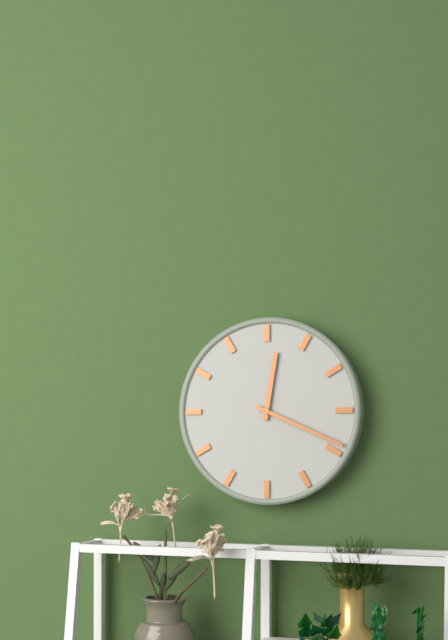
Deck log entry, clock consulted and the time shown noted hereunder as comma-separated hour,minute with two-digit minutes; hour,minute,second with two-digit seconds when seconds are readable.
12,19
